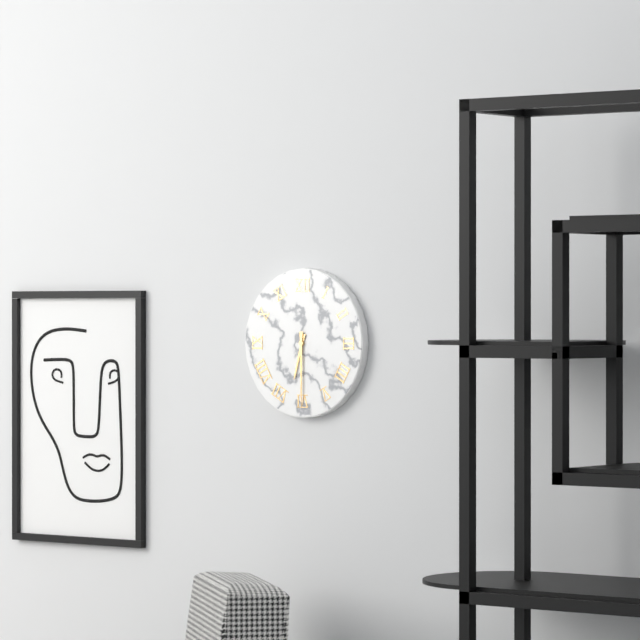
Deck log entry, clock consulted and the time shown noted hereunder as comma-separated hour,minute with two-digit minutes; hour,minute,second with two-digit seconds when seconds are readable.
6,30
